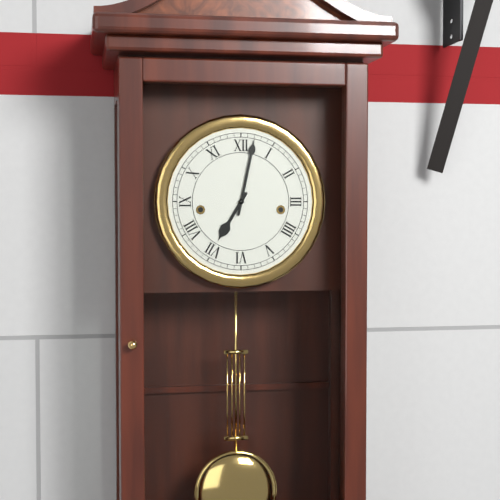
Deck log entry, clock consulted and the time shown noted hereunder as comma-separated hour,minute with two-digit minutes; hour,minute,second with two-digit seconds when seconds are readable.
7,02
